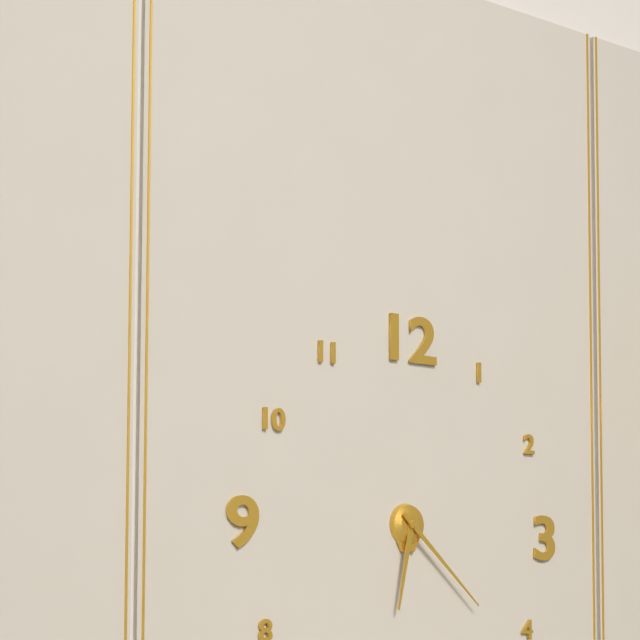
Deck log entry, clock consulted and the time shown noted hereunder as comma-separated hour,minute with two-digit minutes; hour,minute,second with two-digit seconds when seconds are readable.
6,22
